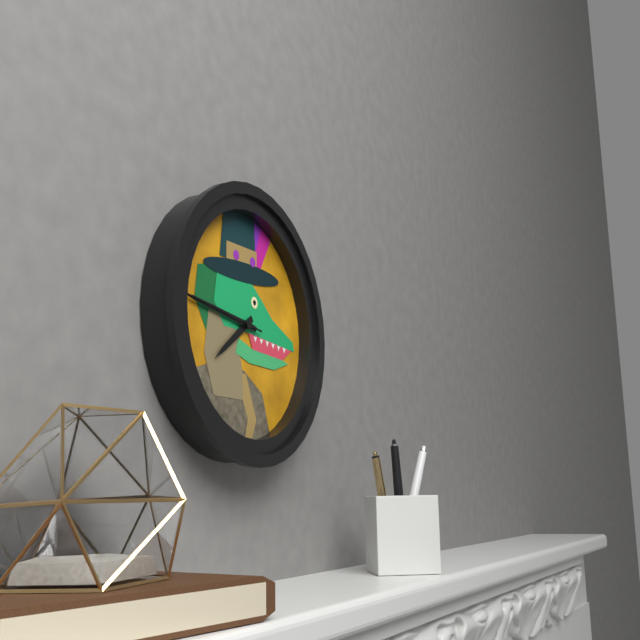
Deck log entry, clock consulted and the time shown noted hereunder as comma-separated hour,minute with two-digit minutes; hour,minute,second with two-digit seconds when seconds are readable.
7,46,46
